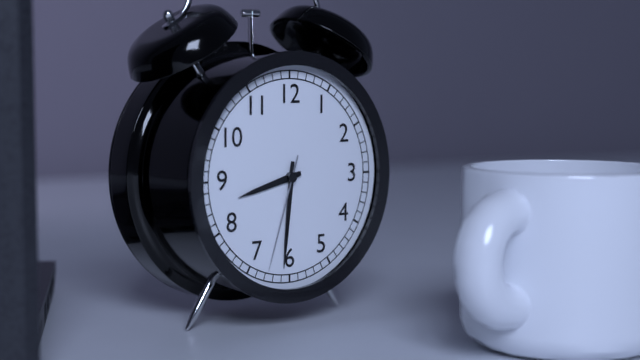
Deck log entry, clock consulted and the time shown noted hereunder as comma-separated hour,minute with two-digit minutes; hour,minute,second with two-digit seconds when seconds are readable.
8,31,33
